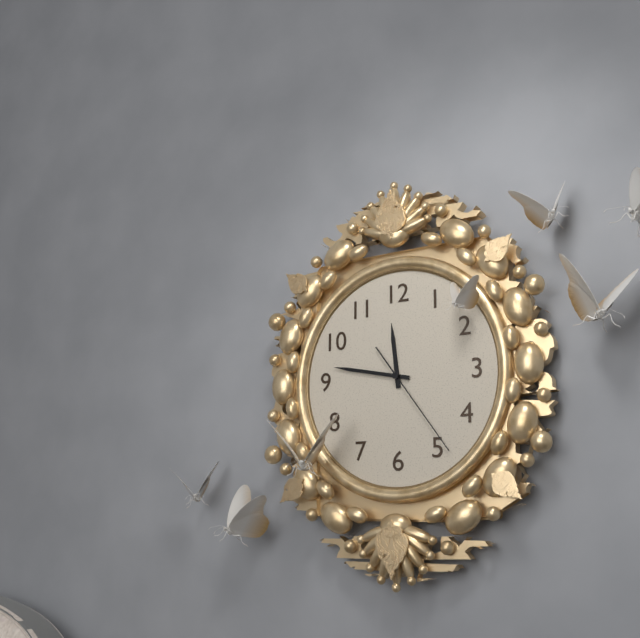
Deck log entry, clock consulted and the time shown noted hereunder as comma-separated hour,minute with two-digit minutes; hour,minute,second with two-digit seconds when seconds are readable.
11,47,24
